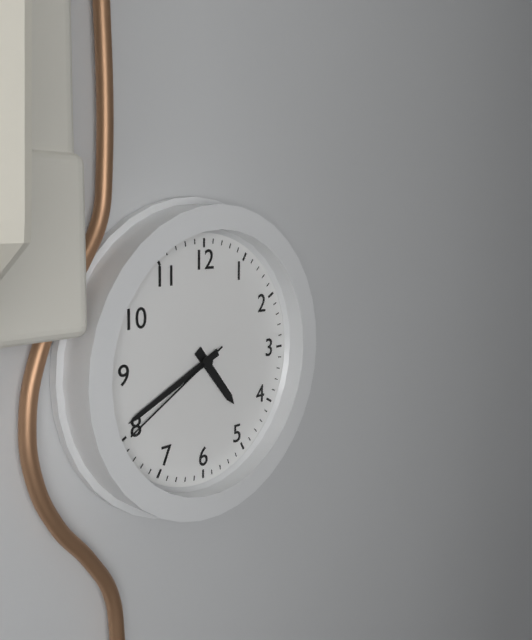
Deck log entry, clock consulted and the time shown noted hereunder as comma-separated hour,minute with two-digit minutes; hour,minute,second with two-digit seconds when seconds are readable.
4,41,40
